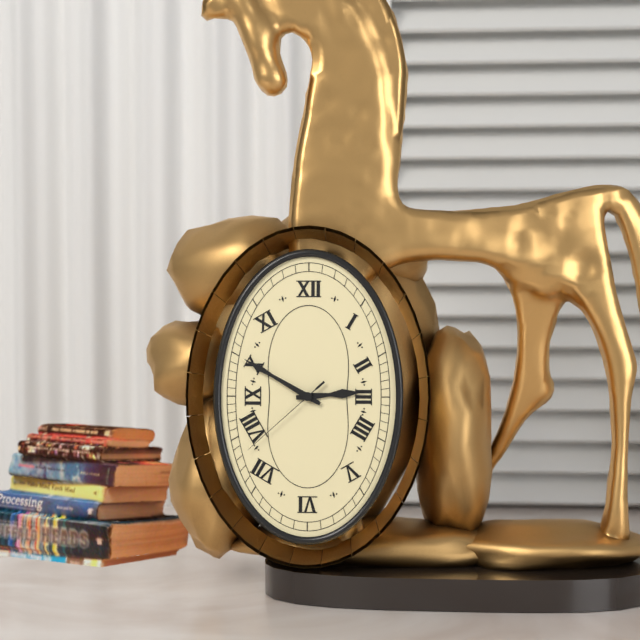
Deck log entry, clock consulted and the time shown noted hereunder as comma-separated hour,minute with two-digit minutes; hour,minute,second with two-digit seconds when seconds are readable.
2,50,38
